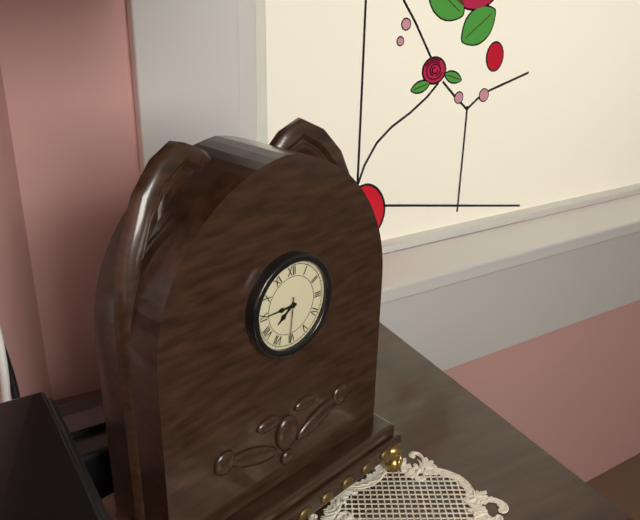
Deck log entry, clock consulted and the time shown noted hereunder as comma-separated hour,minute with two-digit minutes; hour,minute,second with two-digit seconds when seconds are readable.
7,45
